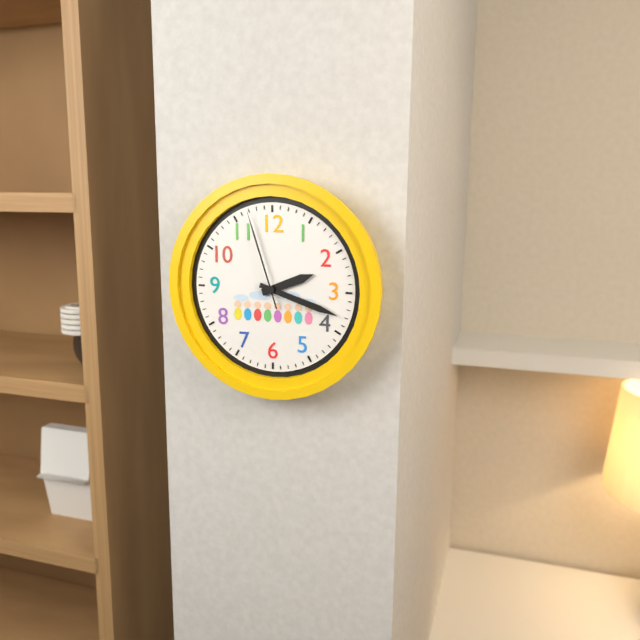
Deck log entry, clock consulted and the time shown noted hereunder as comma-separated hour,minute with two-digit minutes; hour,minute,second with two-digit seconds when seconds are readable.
2,18,57
